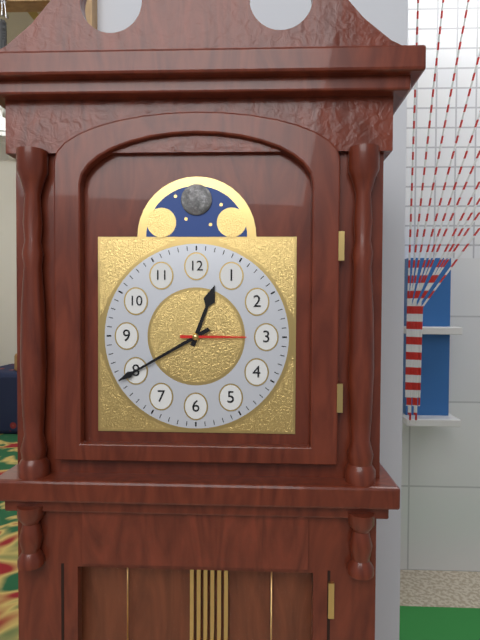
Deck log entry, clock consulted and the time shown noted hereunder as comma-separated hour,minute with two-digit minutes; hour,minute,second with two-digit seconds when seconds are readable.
12,40,15
